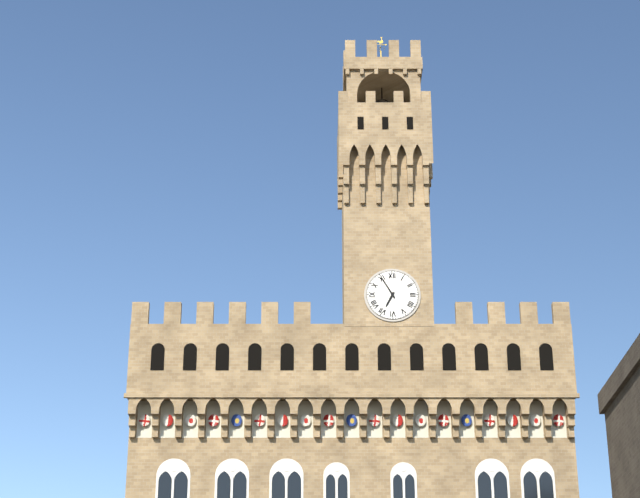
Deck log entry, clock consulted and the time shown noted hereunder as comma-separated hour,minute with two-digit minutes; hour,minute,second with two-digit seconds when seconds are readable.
6,55
